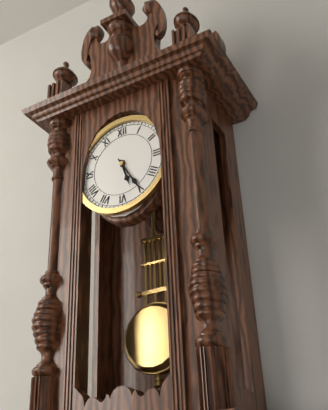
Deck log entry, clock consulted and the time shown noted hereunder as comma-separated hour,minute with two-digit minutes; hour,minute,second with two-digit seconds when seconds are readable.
5,25
